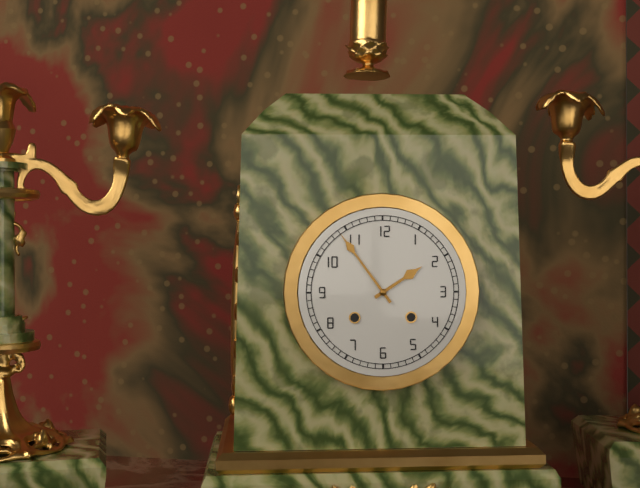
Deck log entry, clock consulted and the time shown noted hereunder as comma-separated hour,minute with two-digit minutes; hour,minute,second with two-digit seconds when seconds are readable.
1,54
